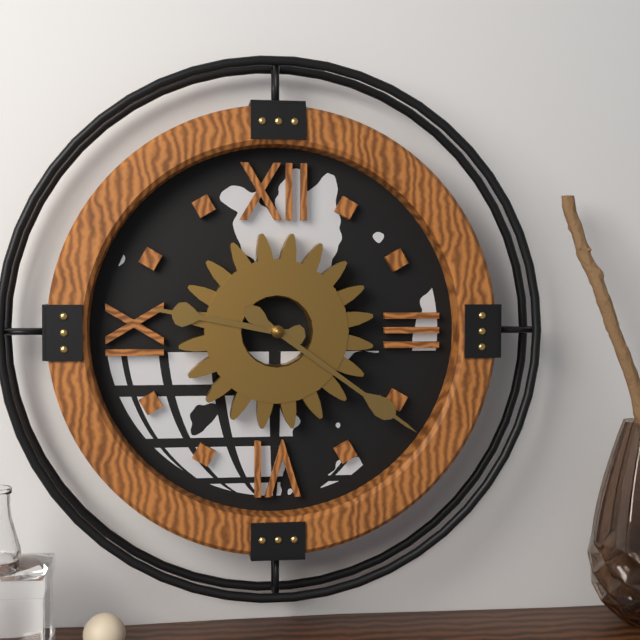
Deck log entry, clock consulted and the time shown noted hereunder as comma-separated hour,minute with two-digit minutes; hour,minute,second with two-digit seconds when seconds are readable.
9,21
